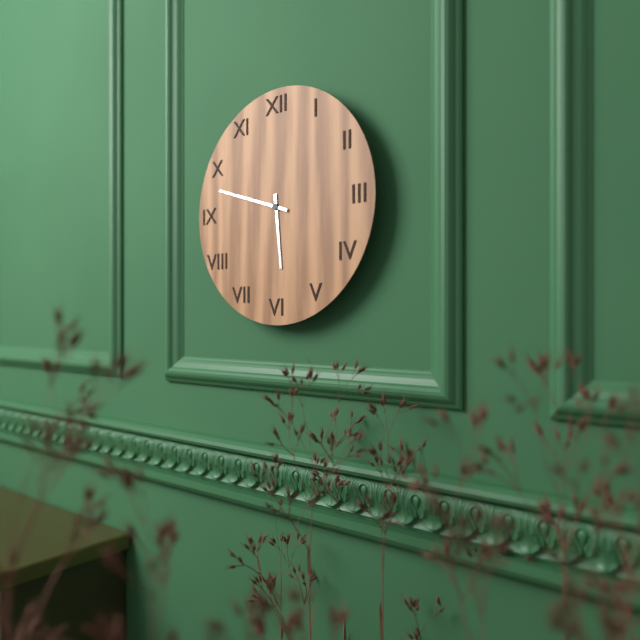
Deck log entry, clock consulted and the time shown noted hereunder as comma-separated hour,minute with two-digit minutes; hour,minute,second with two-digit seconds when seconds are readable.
5,48
